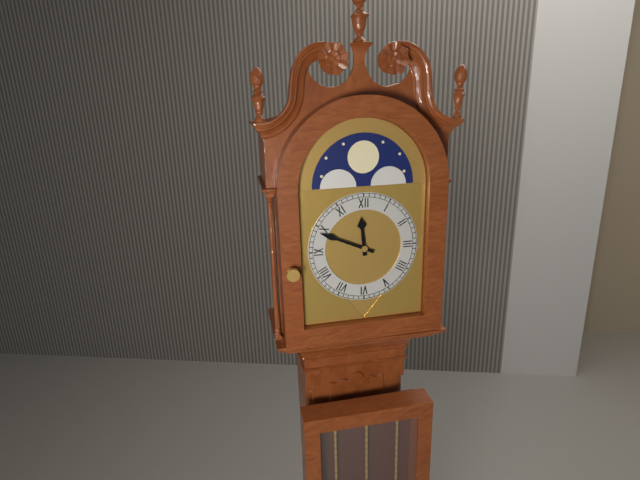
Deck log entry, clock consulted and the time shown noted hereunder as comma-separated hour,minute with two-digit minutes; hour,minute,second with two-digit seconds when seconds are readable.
11,49
